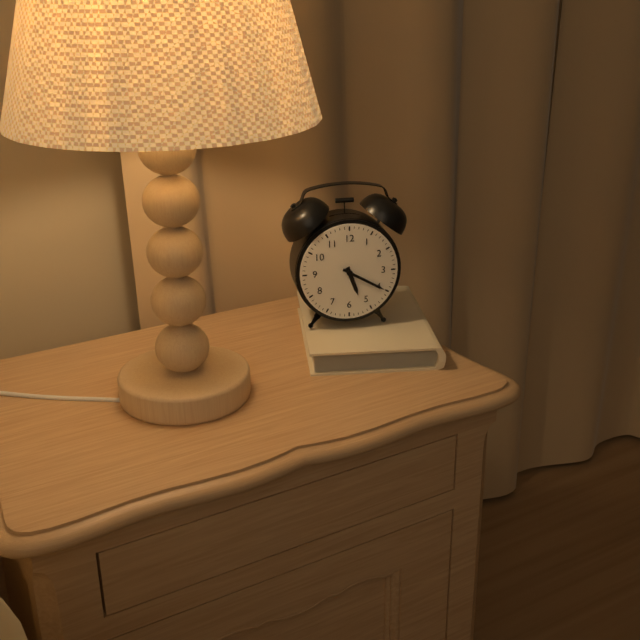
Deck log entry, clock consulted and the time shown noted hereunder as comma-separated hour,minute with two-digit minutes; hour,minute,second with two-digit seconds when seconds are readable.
5,20
